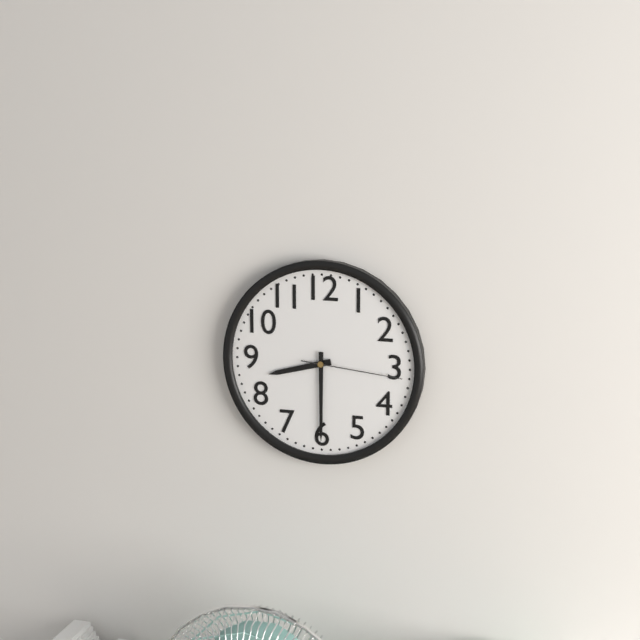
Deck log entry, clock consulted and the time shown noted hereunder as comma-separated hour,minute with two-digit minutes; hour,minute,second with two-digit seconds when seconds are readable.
8,30,16
